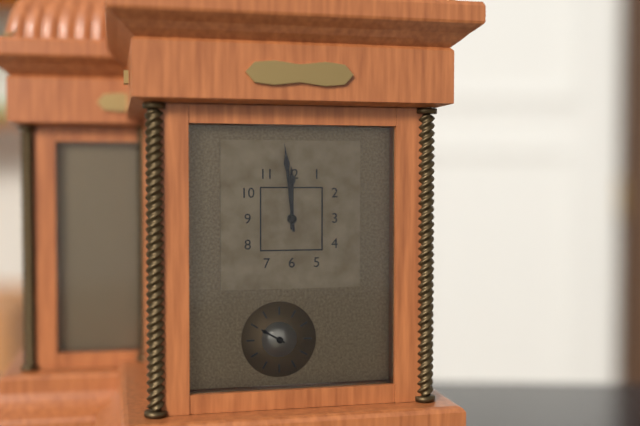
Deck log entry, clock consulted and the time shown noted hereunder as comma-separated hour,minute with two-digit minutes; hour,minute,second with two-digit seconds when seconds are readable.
11,59
